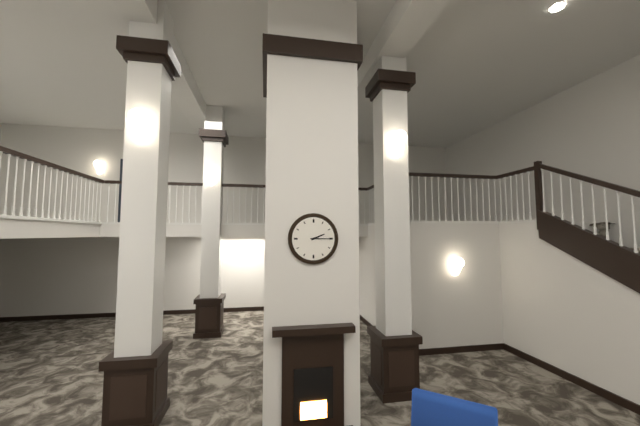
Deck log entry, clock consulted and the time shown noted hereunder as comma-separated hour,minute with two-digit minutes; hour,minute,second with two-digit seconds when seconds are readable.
2,15
